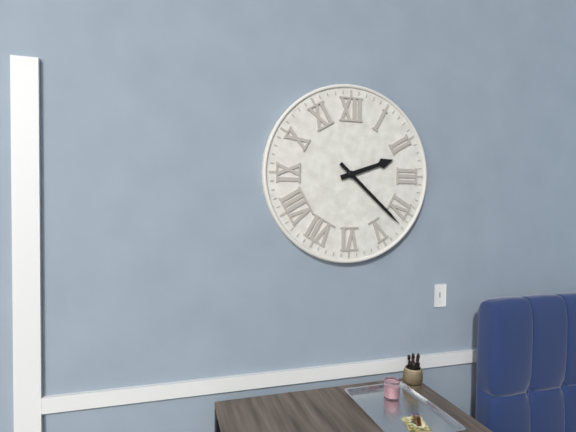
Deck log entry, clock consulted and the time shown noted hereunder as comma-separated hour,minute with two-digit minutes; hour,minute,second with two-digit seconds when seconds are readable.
2,22
